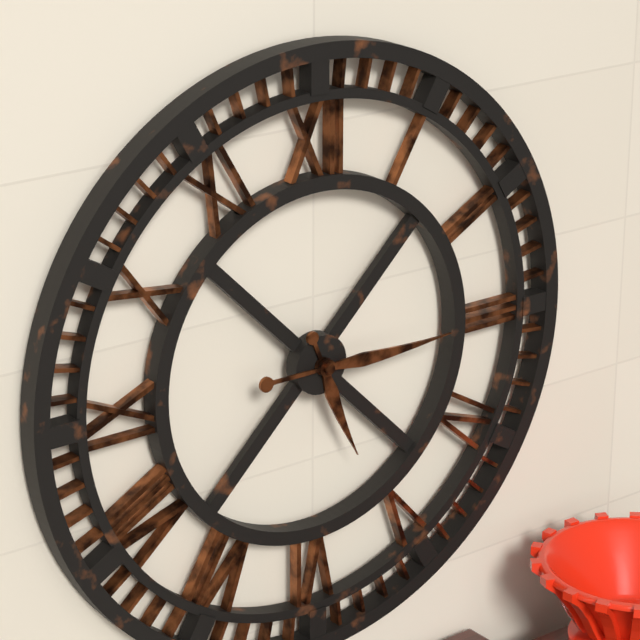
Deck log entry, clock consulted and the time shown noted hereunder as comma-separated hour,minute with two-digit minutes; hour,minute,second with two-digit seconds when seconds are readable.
5,15
